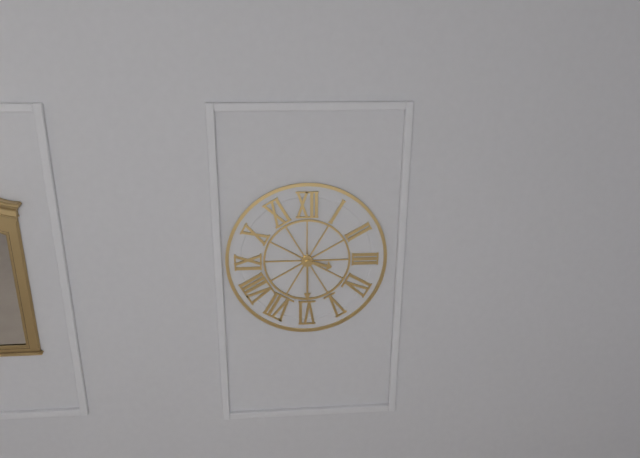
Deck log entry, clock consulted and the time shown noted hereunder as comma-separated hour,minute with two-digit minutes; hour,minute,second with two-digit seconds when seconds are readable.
3,30
